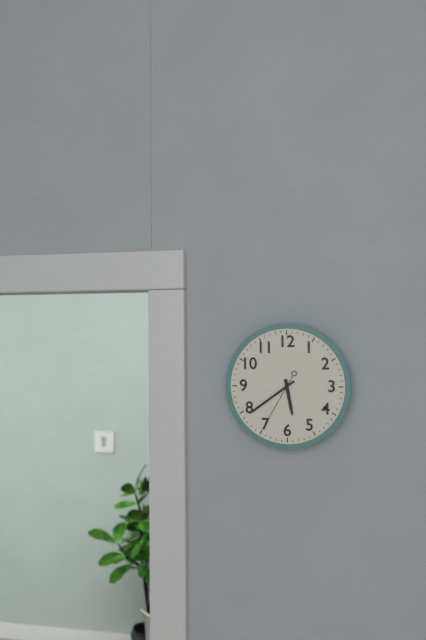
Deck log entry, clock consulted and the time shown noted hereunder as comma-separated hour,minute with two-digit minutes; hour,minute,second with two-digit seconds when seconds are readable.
5,39,35
